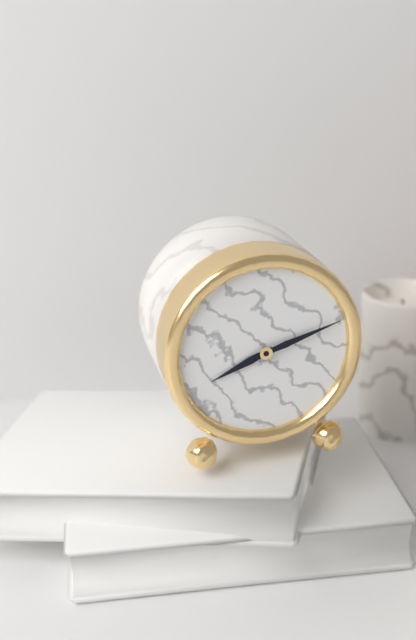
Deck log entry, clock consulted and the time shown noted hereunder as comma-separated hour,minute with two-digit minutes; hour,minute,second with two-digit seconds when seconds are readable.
8,12
